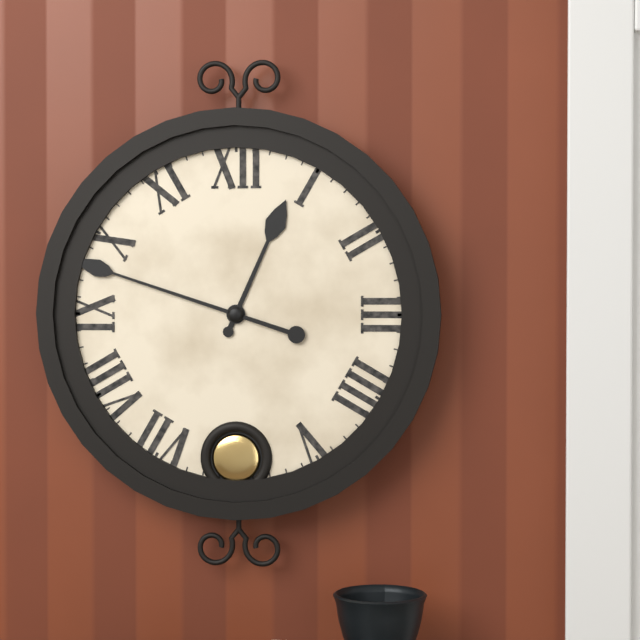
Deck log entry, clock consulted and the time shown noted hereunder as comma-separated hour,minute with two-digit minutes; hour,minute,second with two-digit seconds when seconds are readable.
12,48
